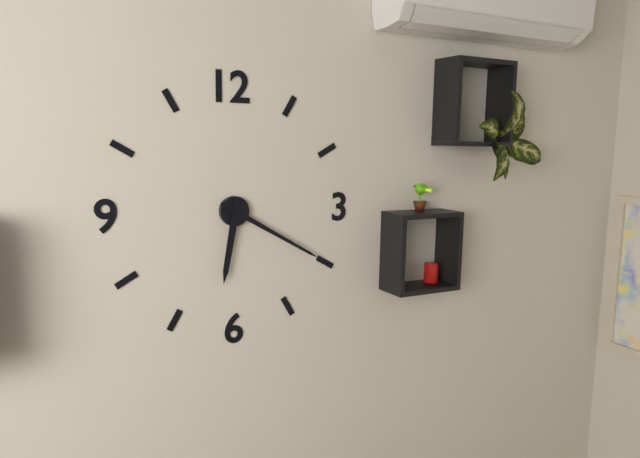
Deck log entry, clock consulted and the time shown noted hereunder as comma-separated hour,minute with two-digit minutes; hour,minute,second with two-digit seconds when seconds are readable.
6,20
